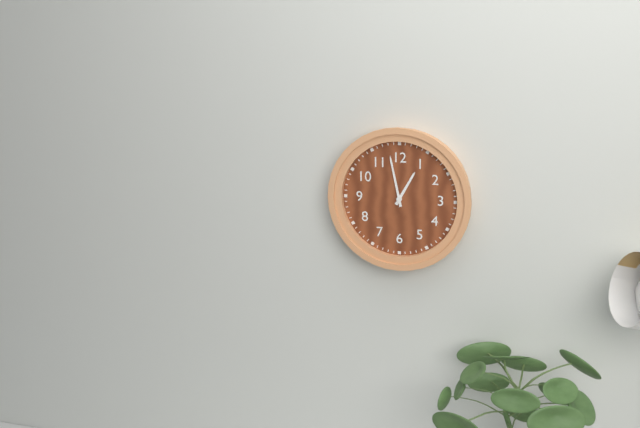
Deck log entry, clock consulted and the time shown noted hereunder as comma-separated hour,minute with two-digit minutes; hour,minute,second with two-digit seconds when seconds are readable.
12,58
